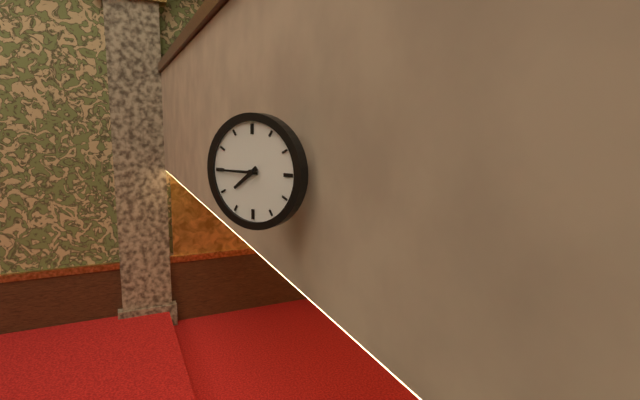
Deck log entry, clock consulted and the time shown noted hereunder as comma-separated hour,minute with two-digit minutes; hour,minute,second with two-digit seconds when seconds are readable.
7,45
